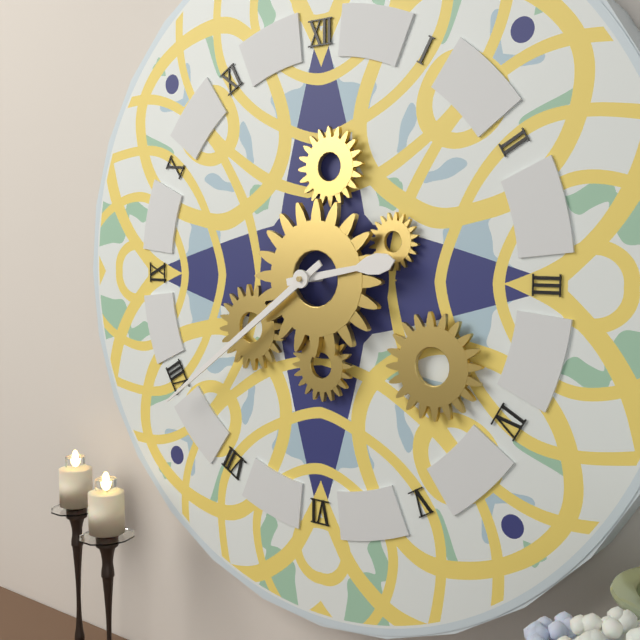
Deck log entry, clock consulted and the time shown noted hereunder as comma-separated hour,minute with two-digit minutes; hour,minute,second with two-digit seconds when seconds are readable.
2,39
